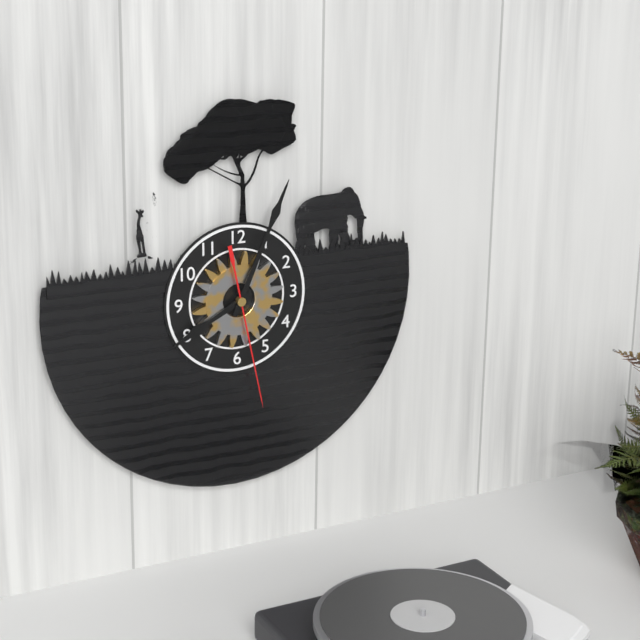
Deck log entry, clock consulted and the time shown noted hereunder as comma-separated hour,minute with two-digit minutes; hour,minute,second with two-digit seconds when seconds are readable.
8,04,28
